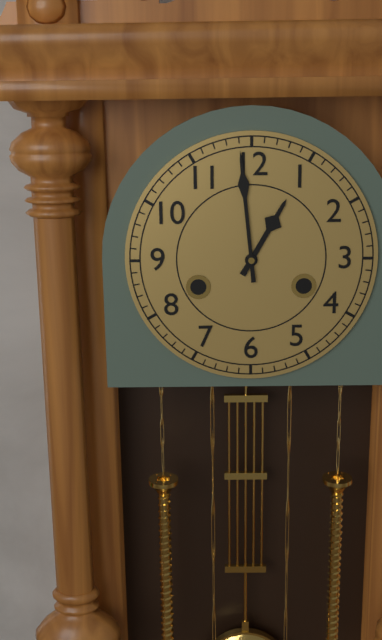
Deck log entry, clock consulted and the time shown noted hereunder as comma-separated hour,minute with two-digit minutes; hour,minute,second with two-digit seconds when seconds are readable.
12,59
